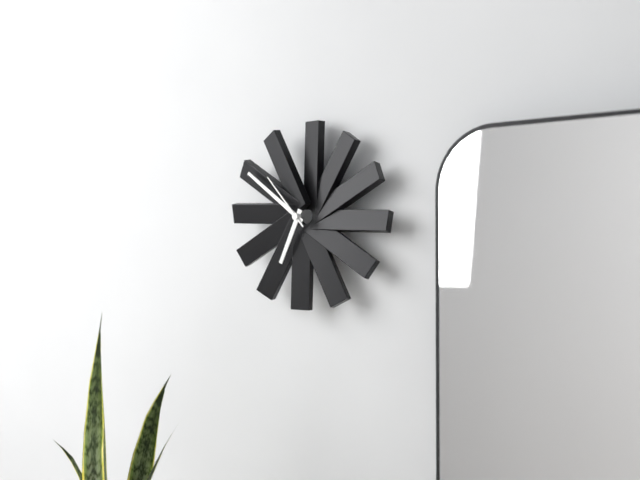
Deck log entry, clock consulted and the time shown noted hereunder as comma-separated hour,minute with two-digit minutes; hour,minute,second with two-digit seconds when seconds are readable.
6,51,53
